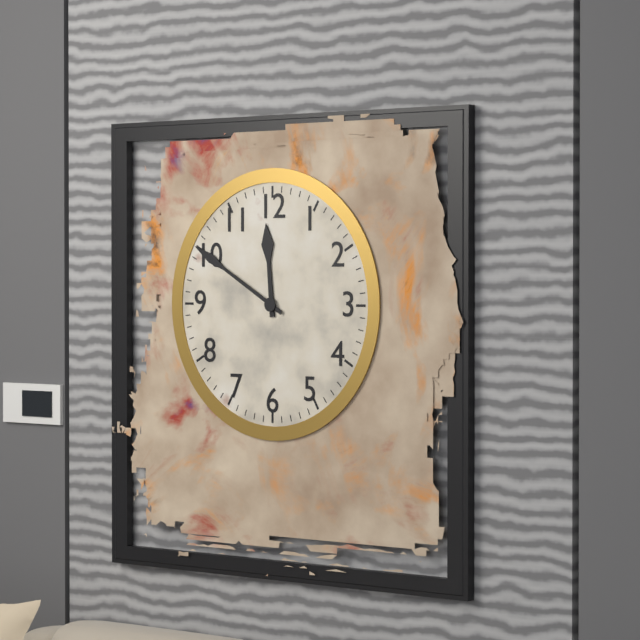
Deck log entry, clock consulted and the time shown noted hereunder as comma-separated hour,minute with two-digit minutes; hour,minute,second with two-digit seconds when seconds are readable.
11,50
